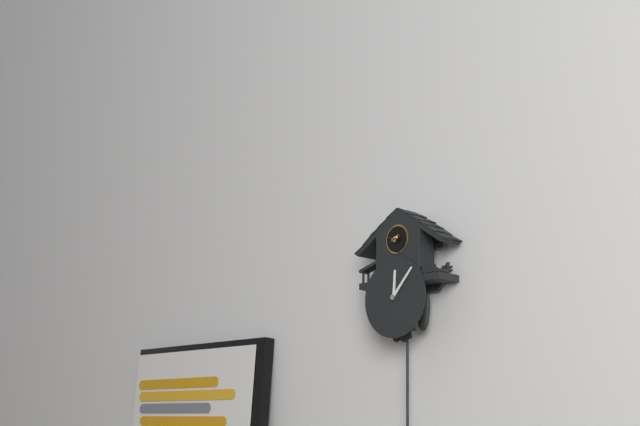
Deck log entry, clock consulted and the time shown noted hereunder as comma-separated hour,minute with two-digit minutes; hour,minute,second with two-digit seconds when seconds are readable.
12,07
